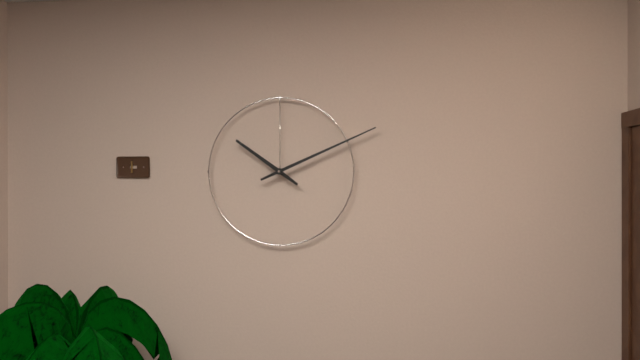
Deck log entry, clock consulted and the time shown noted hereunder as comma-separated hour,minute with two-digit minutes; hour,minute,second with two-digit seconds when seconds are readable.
10,11
